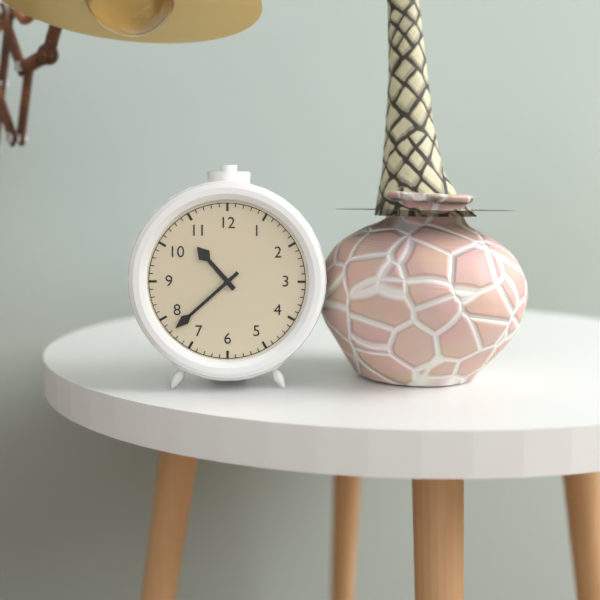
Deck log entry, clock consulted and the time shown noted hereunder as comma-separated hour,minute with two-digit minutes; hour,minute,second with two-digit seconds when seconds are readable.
10,38
